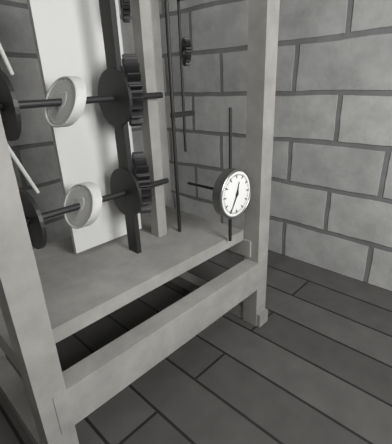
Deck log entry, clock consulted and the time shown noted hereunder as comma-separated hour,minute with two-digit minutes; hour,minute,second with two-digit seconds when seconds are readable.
12,35
